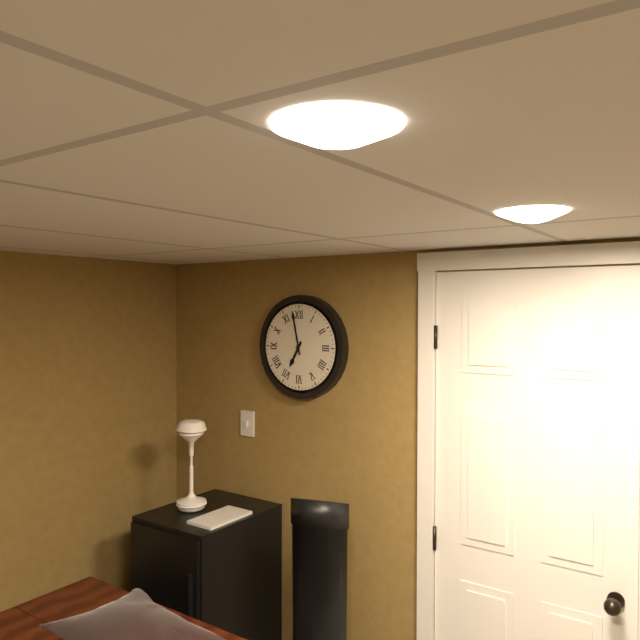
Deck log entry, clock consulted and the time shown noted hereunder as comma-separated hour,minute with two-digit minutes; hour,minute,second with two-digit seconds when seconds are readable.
6,58
